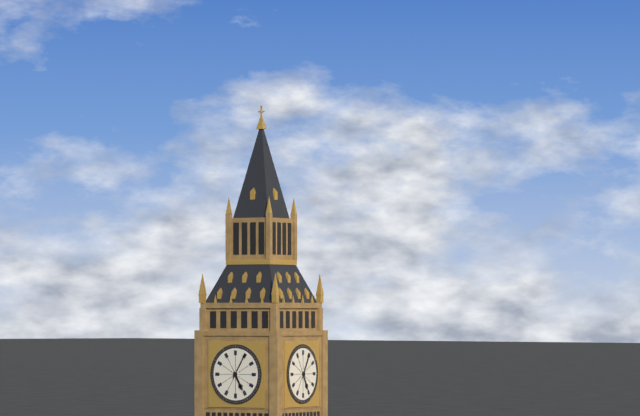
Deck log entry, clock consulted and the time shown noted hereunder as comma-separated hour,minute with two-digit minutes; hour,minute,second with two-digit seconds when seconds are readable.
5,05
